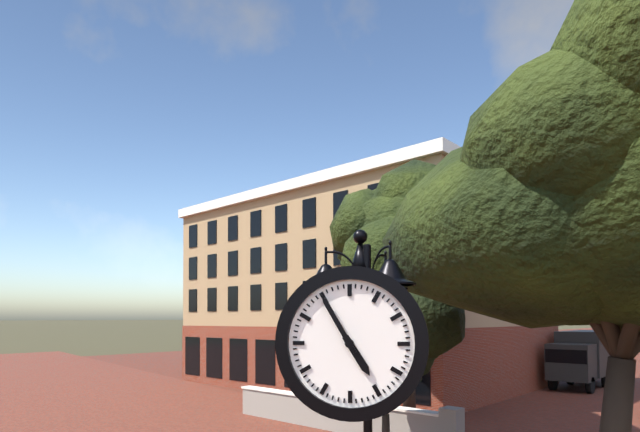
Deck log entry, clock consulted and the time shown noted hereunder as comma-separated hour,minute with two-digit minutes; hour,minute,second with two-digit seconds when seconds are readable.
4,55
